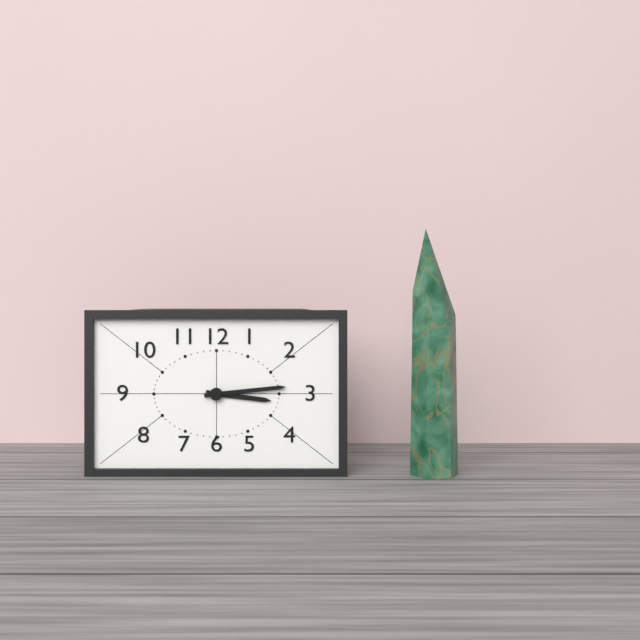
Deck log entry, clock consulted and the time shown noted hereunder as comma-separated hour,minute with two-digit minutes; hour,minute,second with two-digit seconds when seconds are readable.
3,14
